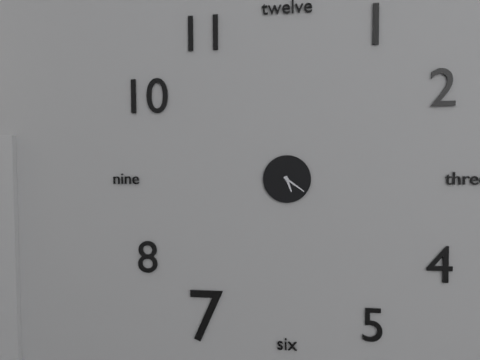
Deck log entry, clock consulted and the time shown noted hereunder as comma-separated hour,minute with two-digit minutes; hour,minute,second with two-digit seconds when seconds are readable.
5,21
